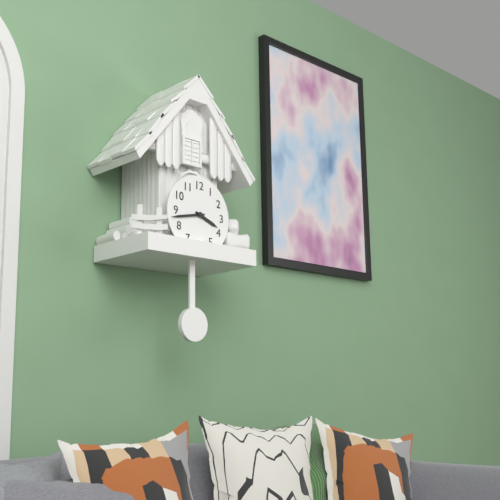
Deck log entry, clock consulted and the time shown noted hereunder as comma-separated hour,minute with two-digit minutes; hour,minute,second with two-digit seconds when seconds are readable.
3,43
